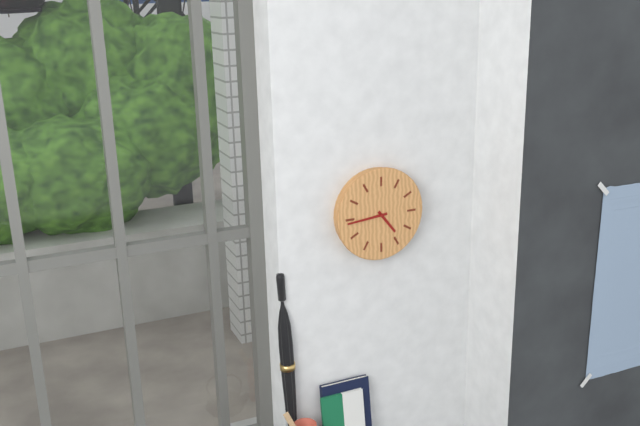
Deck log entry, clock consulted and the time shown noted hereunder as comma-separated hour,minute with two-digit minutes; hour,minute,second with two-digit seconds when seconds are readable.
4,44
